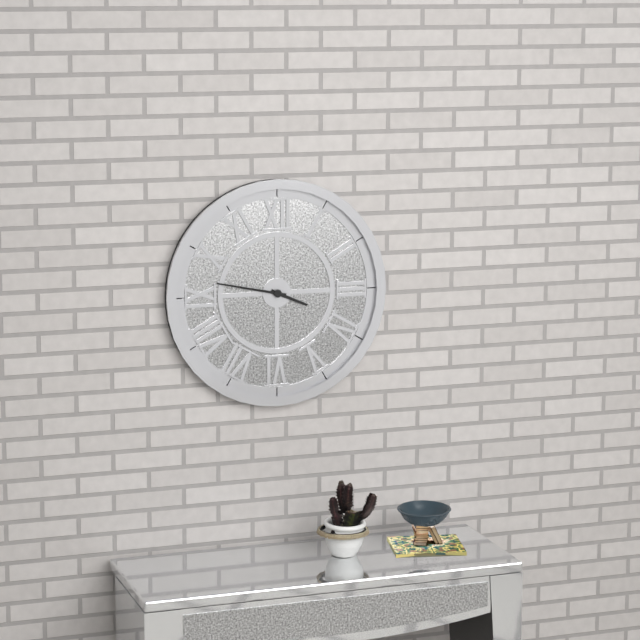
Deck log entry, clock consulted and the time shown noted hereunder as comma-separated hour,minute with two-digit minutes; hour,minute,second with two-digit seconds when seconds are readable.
3,47
